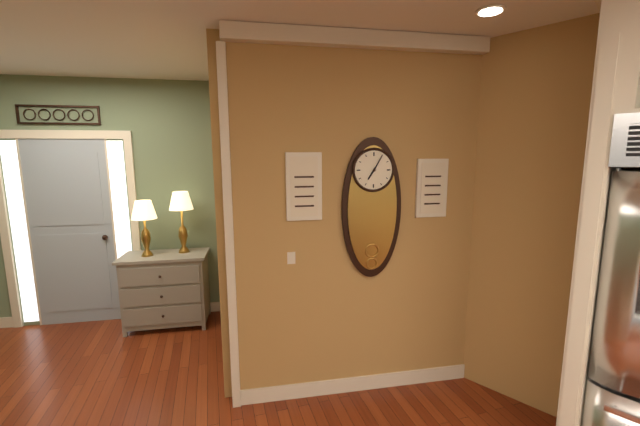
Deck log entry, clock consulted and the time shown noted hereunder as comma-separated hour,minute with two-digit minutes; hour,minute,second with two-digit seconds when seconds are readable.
7,05
